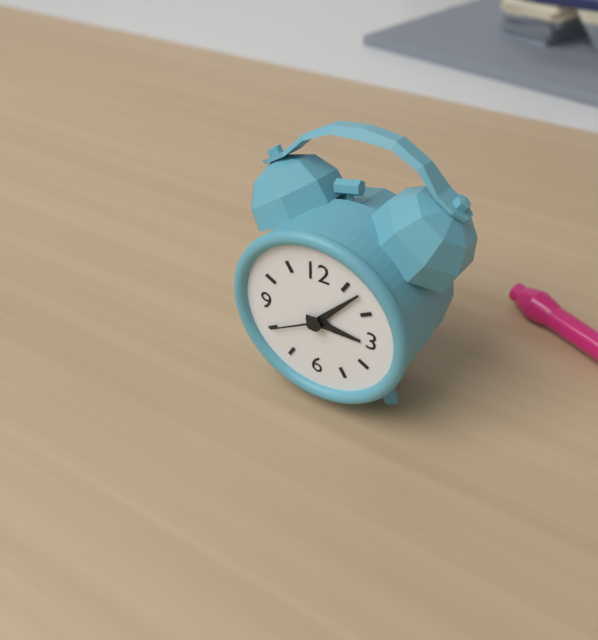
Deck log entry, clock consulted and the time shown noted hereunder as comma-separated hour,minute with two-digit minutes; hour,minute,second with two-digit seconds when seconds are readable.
3,07,40
